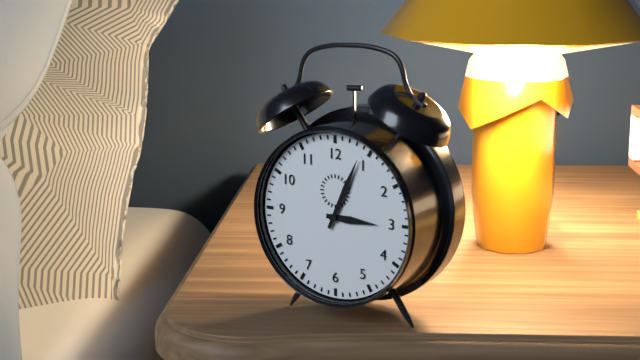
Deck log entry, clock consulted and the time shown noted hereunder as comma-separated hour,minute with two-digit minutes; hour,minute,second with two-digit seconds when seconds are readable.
3,04
